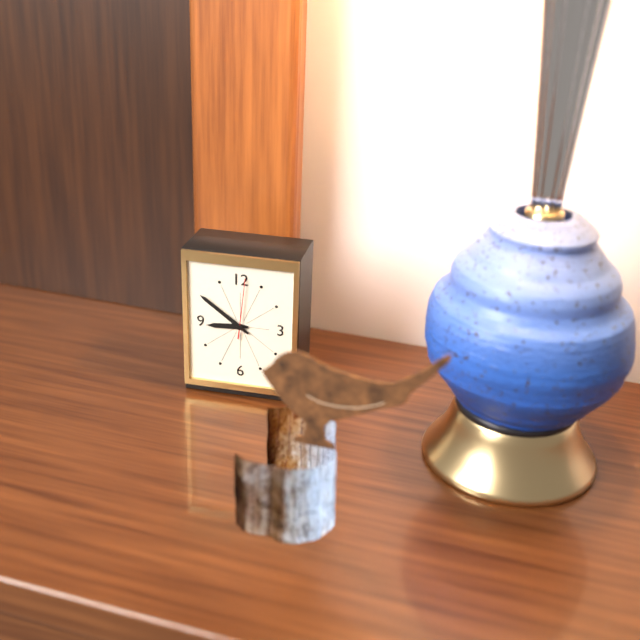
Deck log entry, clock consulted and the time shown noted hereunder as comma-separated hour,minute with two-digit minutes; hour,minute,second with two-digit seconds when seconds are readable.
8,51,01
